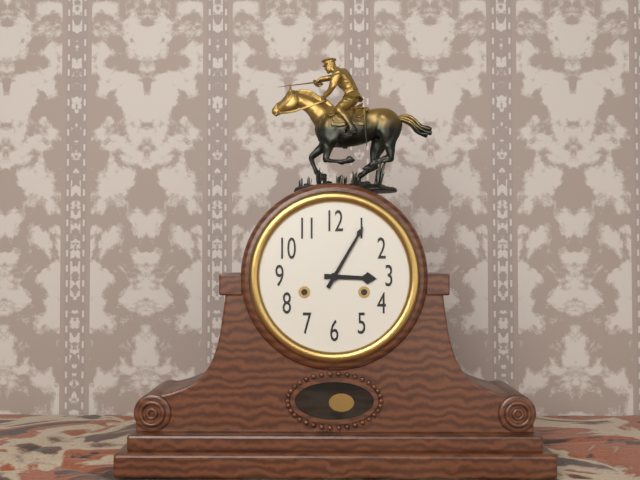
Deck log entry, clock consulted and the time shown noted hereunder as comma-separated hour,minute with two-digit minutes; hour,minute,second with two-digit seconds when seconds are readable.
3,05
